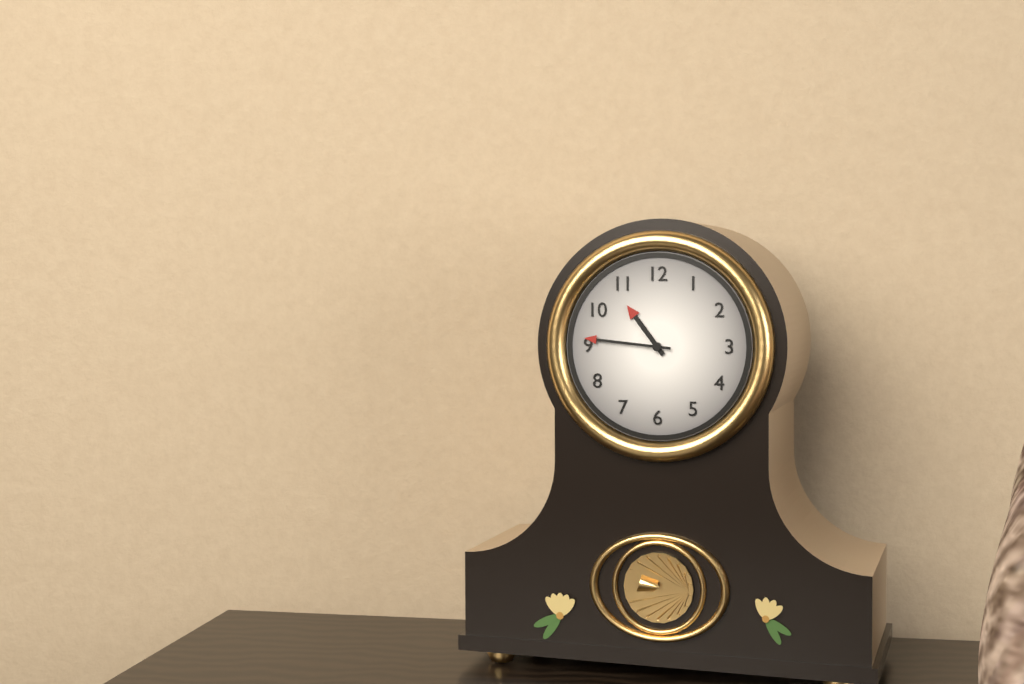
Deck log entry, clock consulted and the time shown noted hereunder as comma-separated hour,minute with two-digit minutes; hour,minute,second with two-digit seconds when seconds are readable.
10,46
